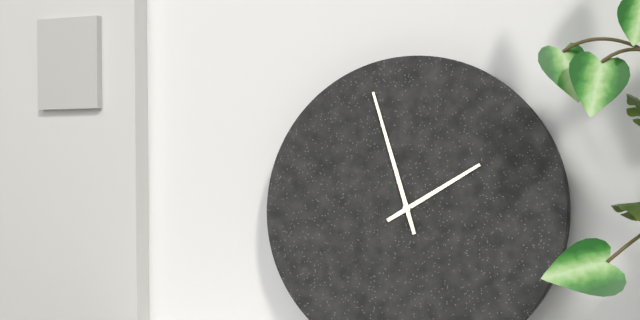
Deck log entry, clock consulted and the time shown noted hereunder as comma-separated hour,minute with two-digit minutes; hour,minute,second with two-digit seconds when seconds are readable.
1,57
